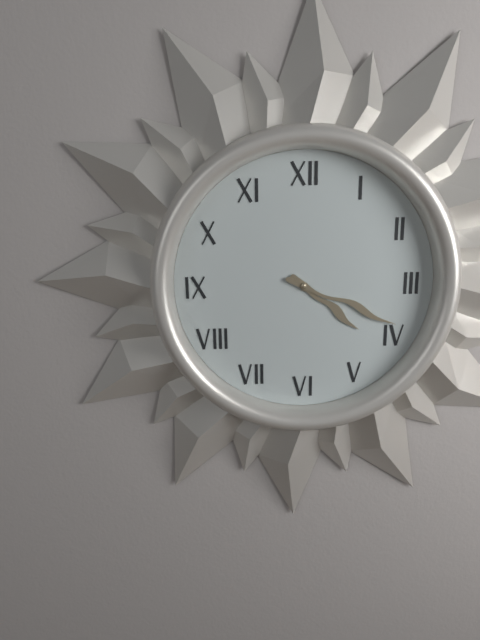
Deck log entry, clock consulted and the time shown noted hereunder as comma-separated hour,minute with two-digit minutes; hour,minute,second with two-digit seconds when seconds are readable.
4,19
